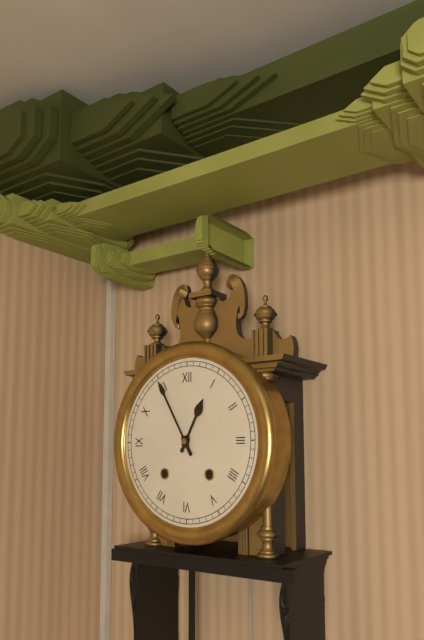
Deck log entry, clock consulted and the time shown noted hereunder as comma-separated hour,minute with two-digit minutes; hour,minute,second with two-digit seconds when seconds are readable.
12,55
